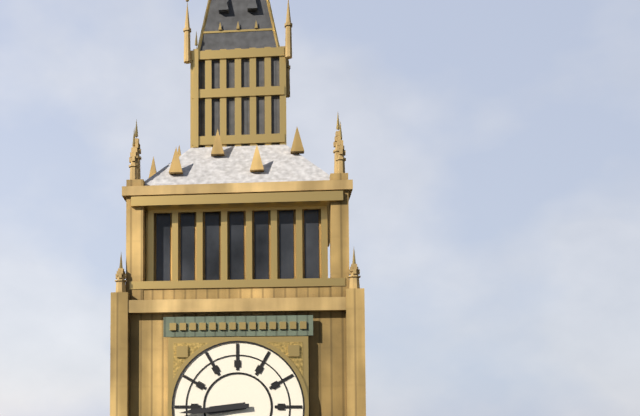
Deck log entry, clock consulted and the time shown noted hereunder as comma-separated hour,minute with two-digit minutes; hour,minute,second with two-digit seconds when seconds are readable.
8,44
